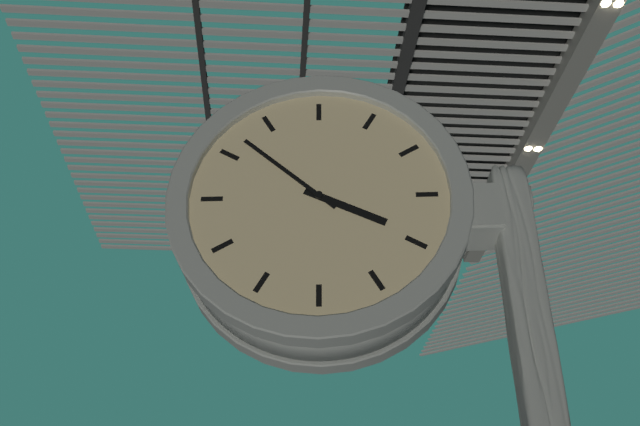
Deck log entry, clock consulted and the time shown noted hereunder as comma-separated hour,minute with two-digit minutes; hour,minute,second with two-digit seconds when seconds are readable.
3,52
